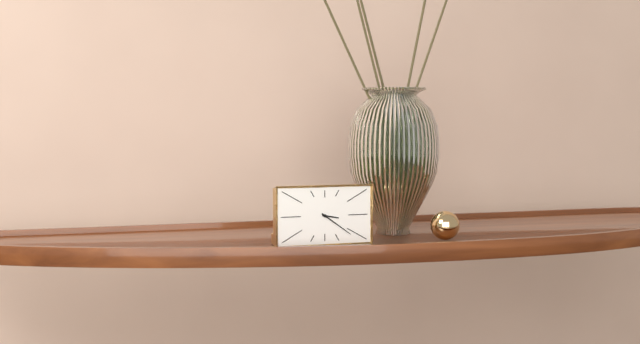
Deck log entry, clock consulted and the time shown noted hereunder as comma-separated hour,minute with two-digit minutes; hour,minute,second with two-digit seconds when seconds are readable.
3,21
